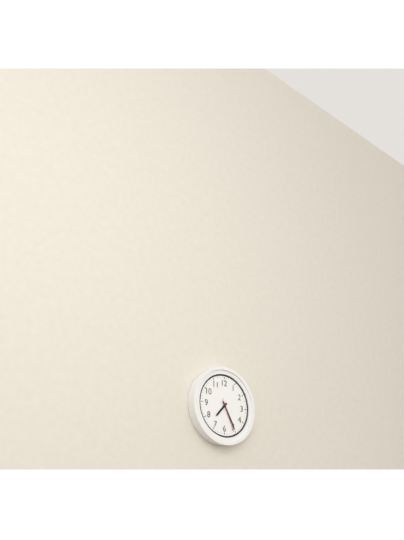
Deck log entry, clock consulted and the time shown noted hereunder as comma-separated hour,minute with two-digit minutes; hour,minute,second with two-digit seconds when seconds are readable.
7,25
